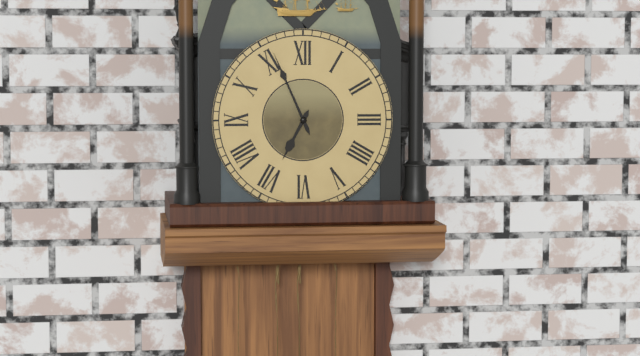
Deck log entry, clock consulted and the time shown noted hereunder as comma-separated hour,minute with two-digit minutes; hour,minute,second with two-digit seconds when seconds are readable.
6,56
